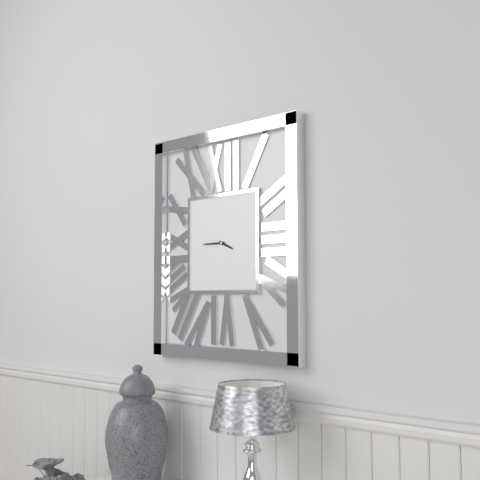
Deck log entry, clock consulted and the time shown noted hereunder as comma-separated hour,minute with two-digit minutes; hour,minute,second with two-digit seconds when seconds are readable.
3,45
